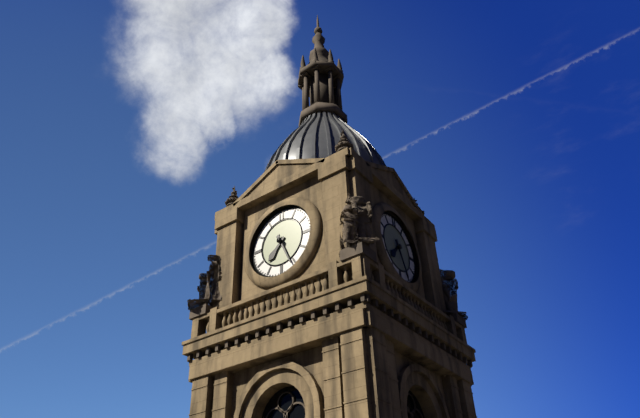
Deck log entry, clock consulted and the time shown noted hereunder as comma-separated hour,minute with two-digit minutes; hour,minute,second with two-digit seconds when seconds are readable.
7,26
